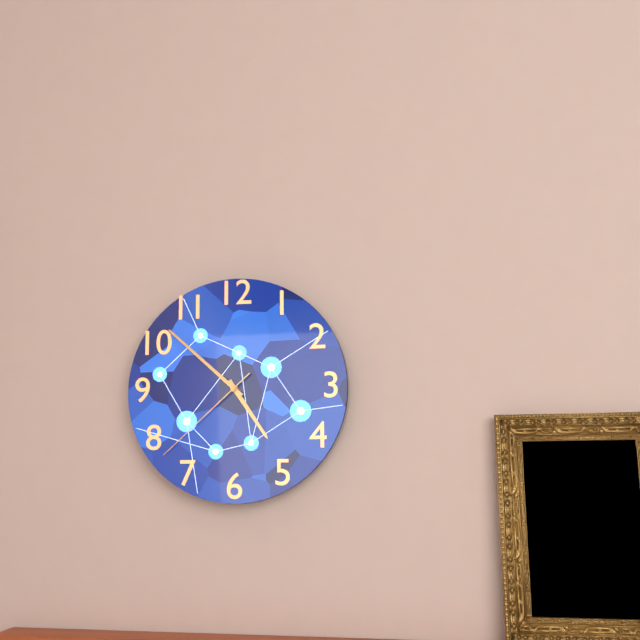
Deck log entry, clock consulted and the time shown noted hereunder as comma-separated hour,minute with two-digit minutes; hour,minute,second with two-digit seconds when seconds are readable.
4,52,38
